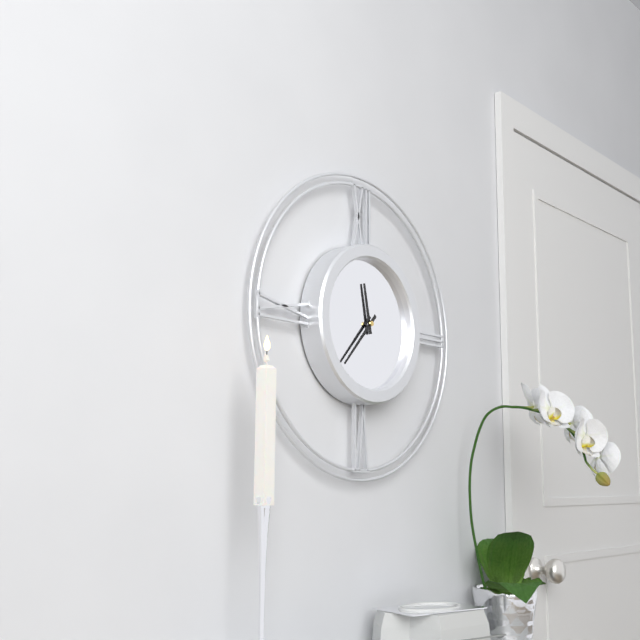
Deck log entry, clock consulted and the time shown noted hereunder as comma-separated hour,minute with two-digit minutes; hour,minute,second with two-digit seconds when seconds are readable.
11,37
